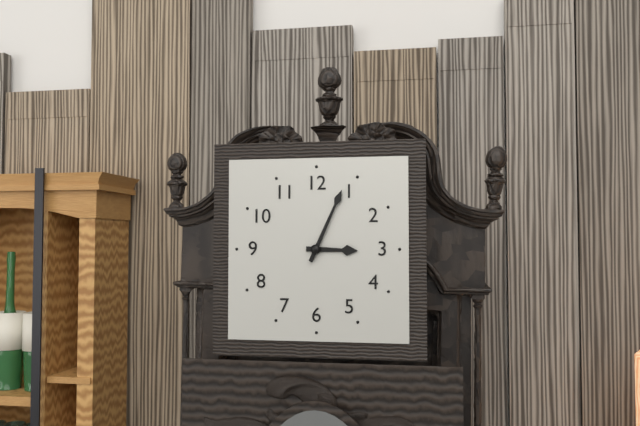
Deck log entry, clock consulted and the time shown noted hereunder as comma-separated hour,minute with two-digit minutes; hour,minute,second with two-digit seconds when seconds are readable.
3,04
